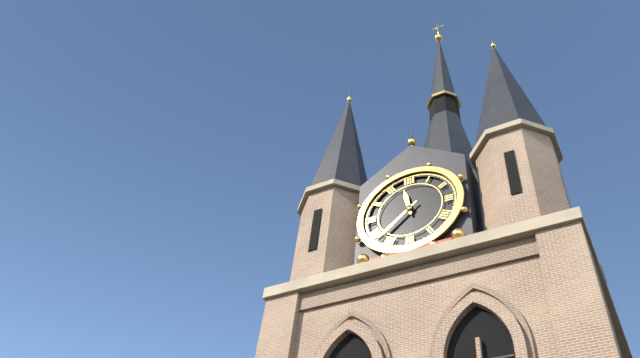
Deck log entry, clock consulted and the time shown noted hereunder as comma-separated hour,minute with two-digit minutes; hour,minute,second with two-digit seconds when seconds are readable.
11,38
